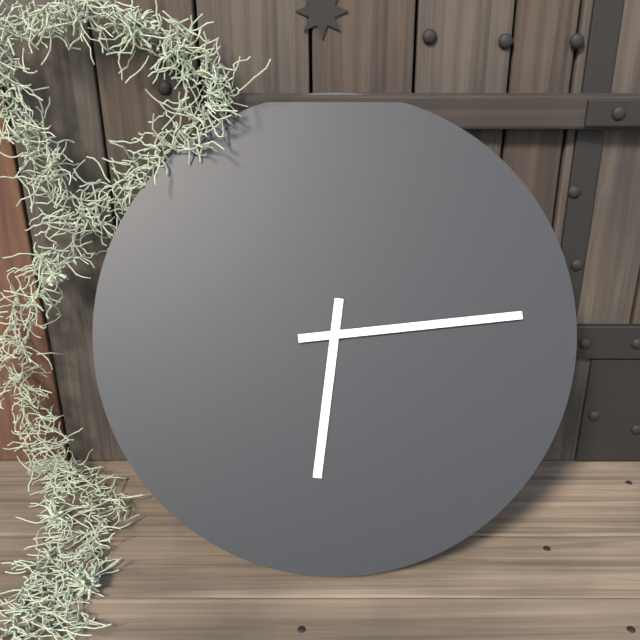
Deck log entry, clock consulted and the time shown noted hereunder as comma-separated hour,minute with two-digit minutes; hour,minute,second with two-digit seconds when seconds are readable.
6,14
